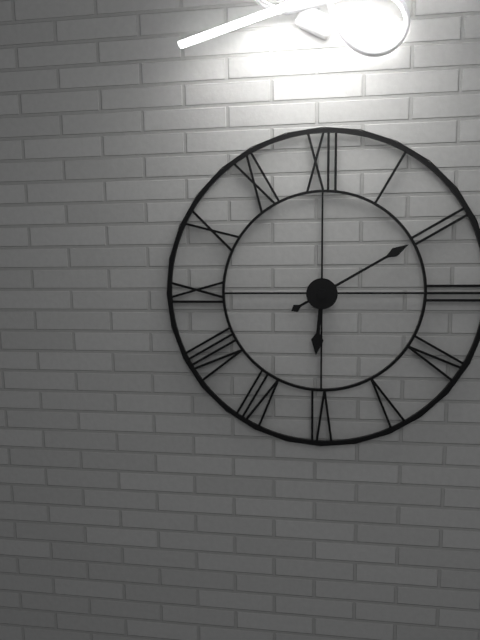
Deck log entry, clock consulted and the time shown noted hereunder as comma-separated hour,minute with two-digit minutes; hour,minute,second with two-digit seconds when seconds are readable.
6,10
